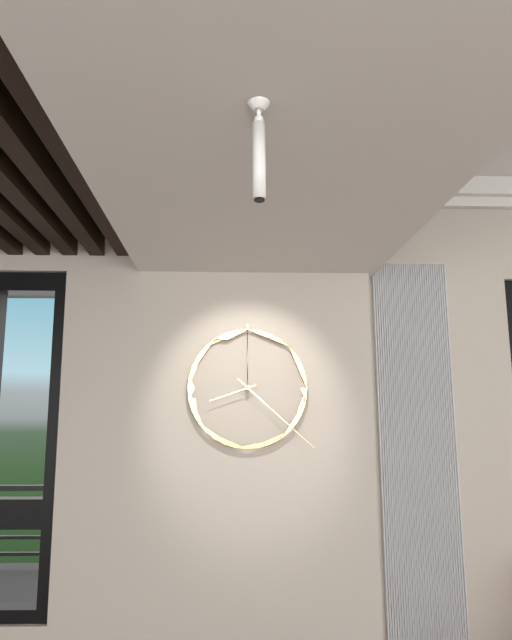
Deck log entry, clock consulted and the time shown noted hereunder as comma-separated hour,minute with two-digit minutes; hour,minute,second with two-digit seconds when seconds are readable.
8,22
